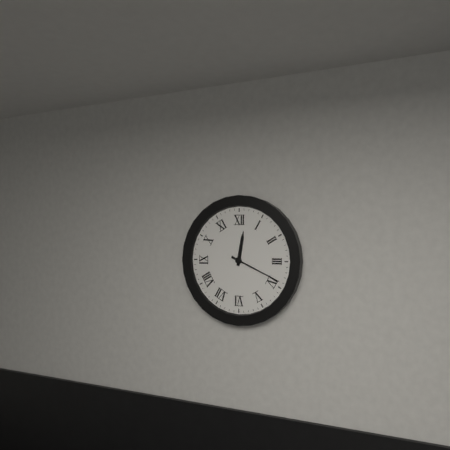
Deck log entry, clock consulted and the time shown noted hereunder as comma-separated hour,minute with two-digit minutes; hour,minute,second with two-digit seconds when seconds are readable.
12,19
